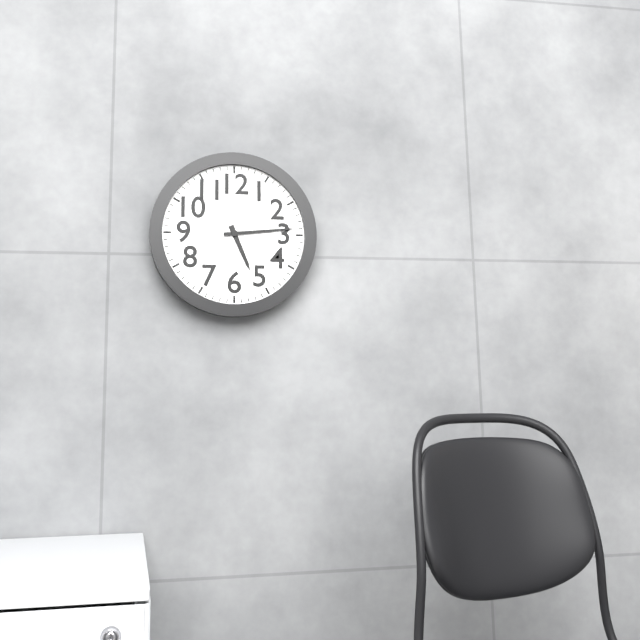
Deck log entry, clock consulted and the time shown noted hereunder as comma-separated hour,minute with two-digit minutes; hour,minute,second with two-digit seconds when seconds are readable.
5,14
